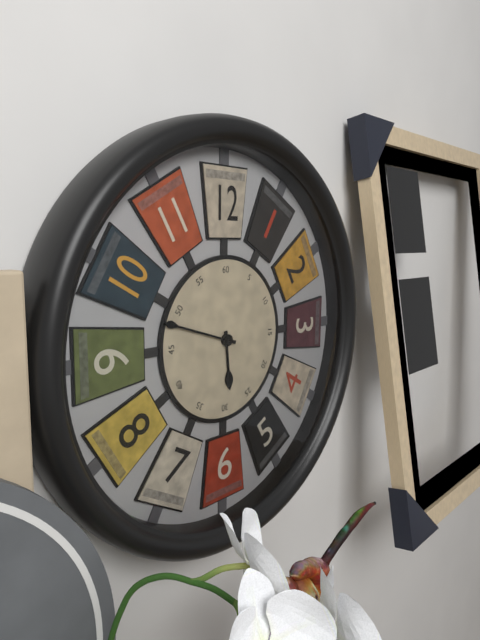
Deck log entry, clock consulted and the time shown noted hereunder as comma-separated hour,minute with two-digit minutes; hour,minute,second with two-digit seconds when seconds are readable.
5,48
